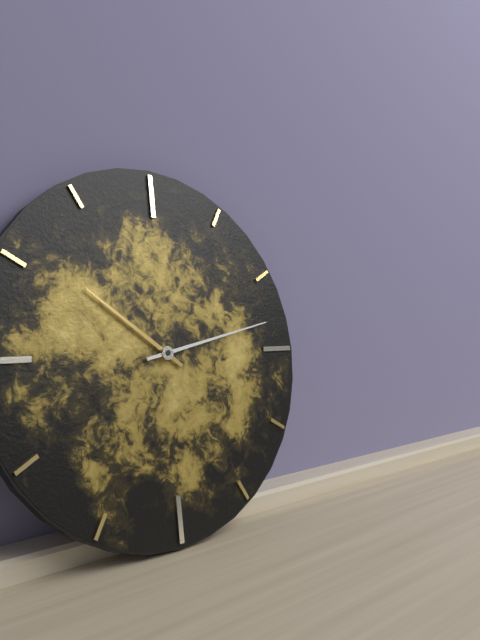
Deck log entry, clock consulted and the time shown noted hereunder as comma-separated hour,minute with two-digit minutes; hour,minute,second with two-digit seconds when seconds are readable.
10,13
